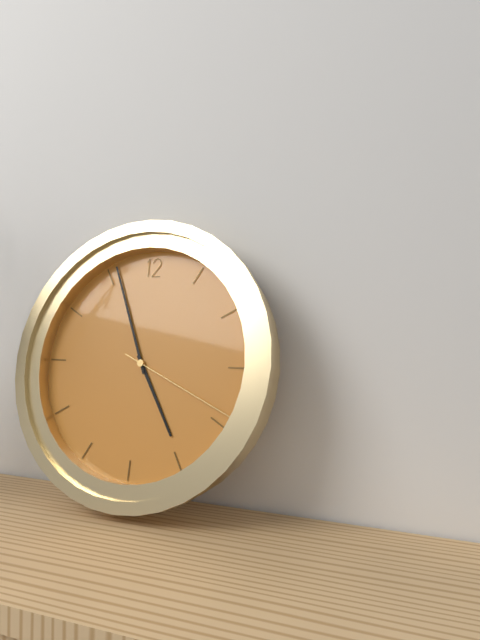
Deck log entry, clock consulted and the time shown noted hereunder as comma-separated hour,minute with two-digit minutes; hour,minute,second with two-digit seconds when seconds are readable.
4,56,19
